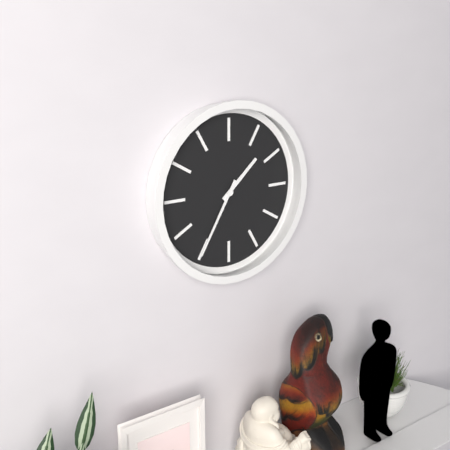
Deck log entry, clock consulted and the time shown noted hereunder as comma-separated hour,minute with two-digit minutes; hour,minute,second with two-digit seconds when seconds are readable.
1,35
